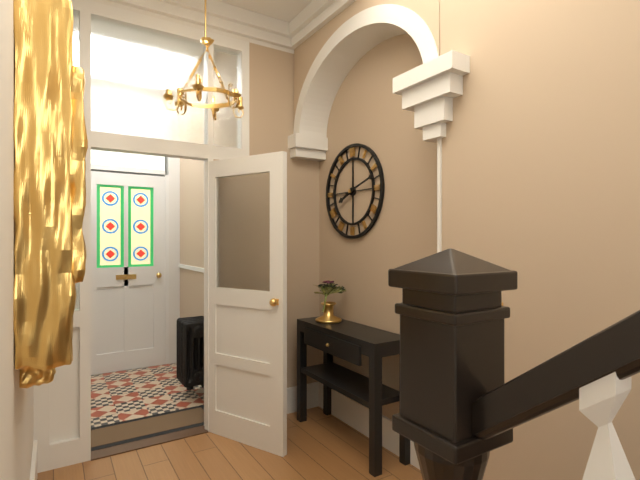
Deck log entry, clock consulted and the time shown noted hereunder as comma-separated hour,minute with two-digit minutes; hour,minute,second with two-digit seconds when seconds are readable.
8,12
